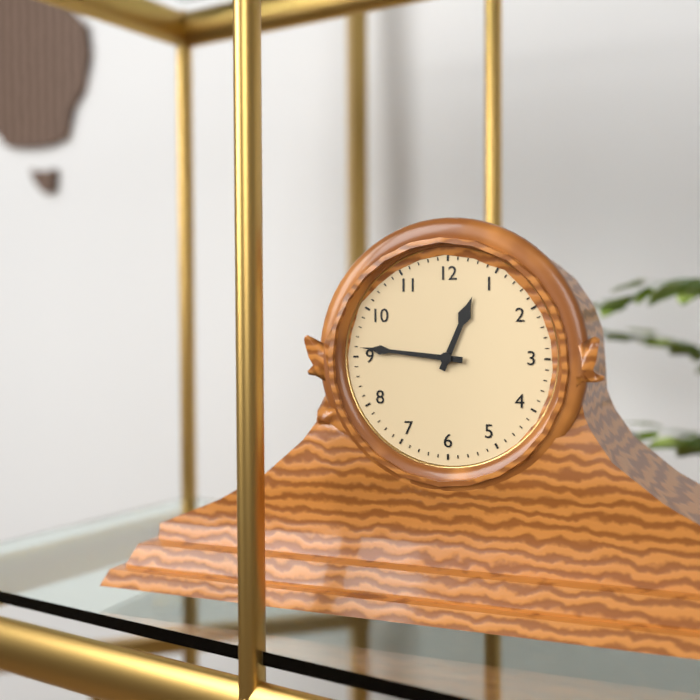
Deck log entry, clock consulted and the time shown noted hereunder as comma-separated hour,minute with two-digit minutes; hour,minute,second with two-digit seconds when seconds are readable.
12,46
